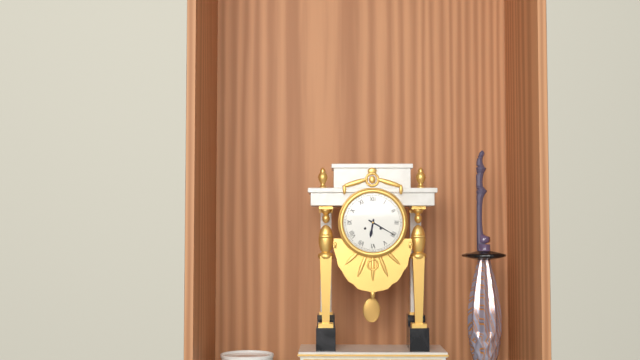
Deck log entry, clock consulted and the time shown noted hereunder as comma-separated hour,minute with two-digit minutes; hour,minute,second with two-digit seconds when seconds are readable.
6,20
